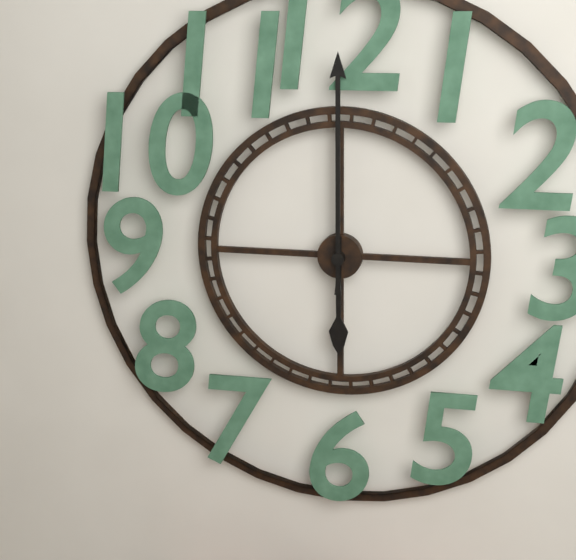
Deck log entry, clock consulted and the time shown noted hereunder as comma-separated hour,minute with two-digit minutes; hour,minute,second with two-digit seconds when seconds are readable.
6,00
